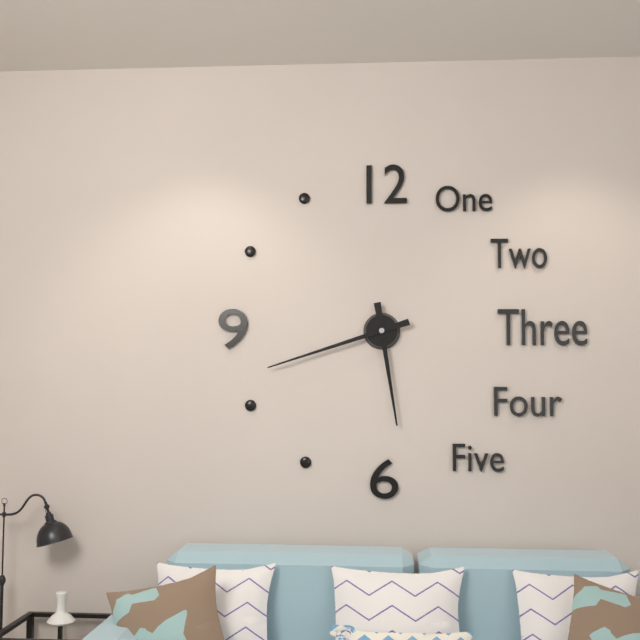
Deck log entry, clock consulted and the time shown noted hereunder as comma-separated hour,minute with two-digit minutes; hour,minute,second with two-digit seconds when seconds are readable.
5,42
